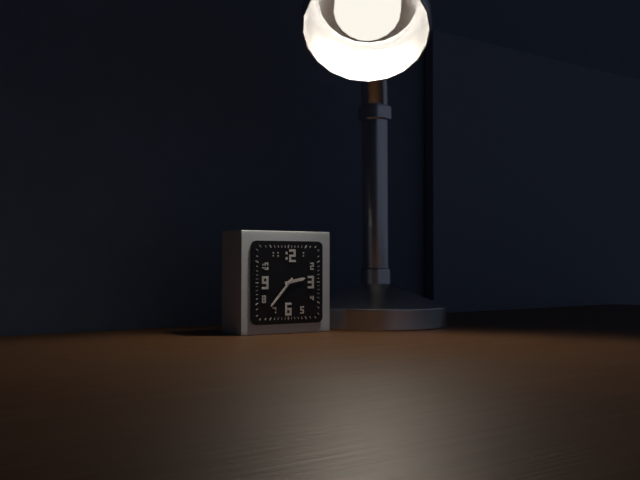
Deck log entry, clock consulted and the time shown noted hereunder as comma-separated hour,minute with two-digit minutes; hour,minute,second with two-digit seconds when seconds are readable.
2,37
